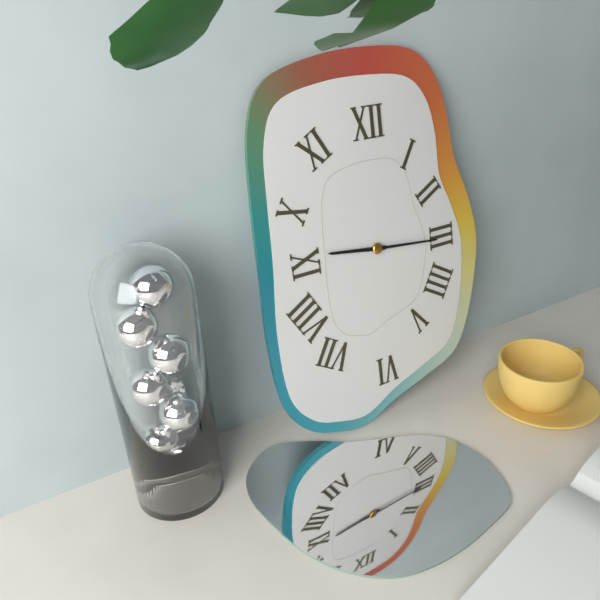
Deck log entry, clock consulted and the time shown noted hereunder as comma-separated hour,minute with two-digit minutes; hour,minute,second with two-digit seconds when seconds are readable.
9,16
